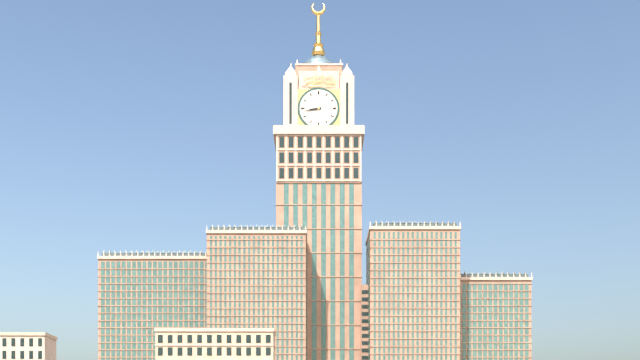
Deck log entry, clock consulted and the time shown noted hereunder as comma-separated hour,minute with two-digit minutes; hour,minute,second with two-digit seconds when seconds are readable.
8,43
